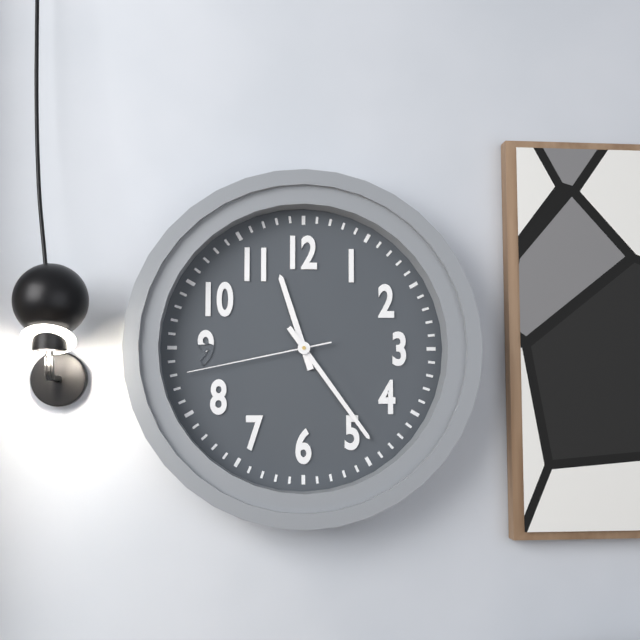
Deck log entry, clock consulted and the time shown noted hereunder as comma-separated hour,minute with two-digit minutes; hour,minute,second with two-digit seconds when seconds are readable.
11,24,43
